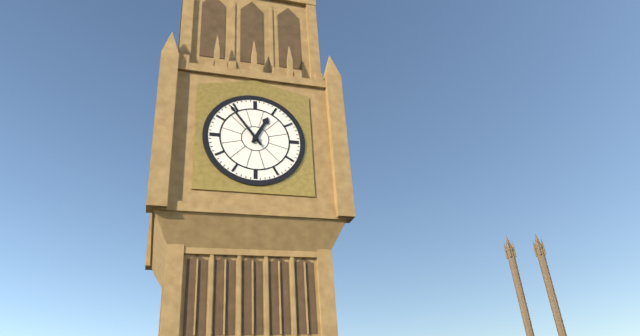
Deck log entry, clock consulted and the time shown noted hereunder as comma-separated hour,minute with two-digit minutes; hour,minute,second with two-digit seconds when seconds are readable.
12,54
